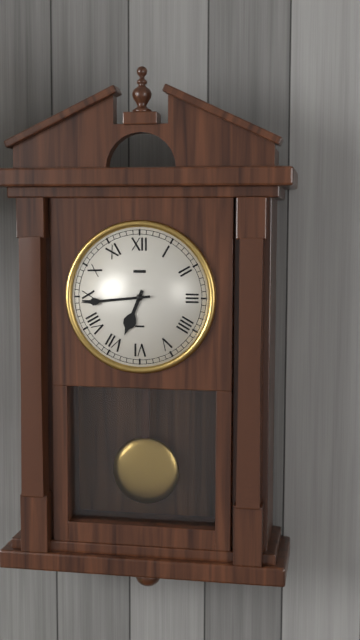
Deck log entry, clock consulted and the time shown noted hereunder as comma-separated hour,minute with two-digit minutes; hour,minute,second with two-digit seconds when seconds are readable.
6,44
